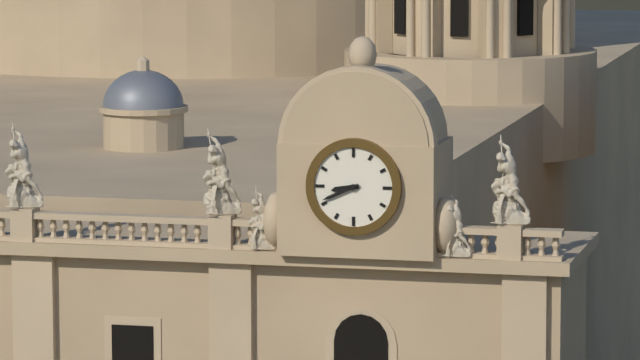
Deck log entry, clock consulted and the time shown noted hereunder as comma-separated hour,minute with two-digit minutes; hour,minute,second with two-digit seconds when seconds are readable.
8,41
